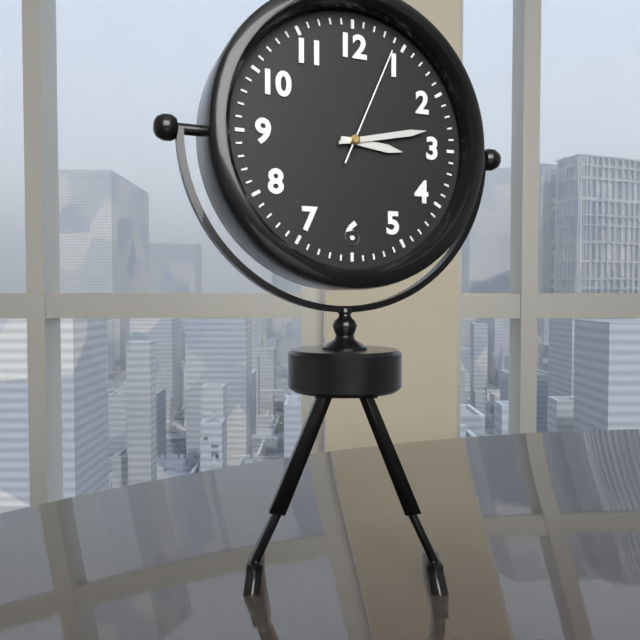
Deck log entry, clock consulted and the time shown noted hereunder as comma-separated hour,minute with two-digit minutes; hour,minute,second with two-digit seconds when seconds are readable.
3,13,04
